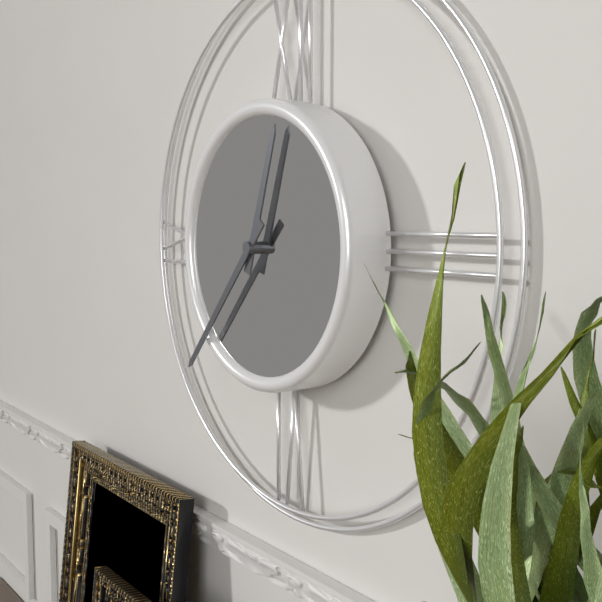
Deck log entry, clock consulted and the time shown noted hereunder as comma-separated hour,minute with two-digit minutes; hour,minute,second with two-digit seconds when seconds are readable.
12,37
